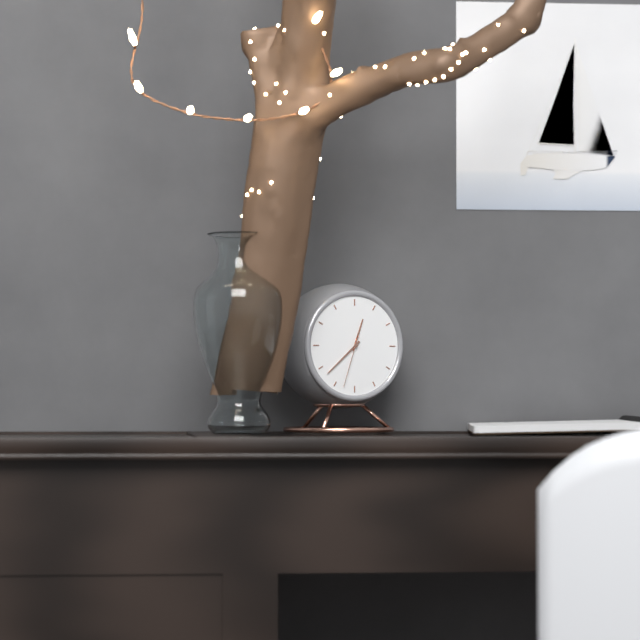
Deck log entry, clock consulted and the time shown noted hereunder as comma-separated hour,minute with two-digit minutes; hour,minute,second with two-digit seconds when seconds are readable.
12,38,33
